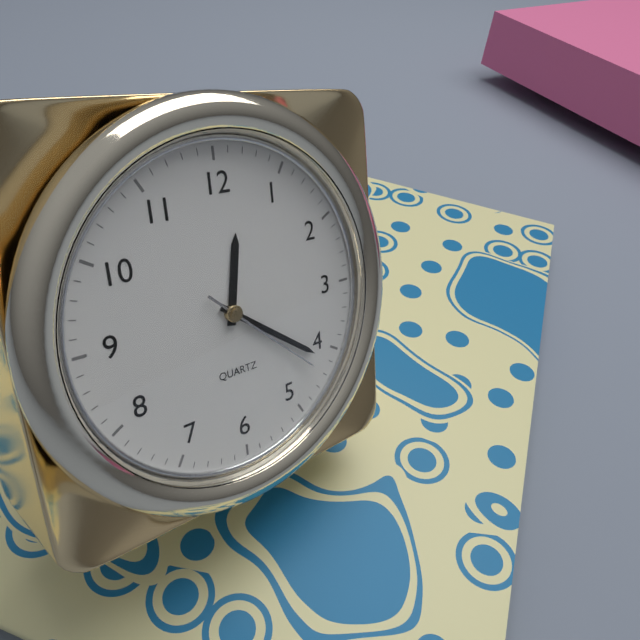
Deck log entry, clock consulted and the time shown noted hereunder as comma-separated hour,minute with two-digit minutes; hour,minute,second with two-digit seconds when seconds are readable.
12,21,22
